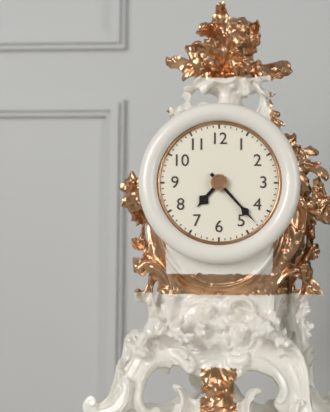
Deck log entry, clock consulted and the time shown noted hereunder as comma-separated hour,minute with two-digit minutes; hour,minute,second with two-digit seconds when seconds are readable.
7,23
